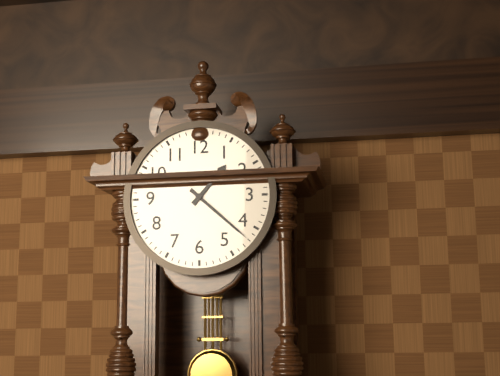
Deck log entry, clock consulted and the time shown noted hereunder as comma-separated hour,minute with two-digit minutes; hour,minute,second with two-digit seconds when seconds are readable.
1,22
